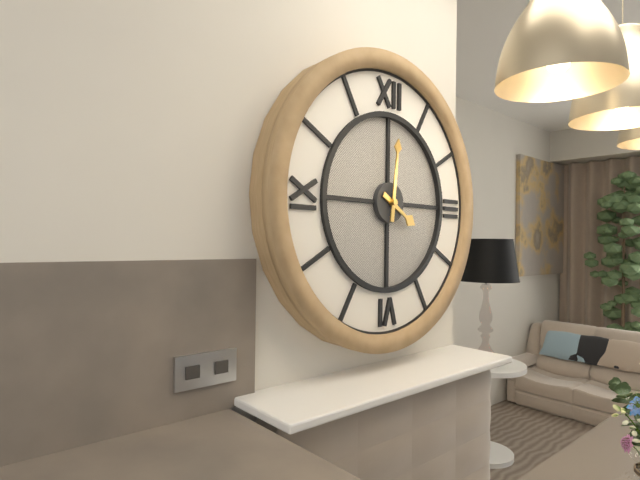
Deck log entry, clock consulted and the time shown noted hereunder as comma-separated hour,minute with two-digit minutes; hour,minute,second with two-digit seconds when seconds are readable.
4,01
